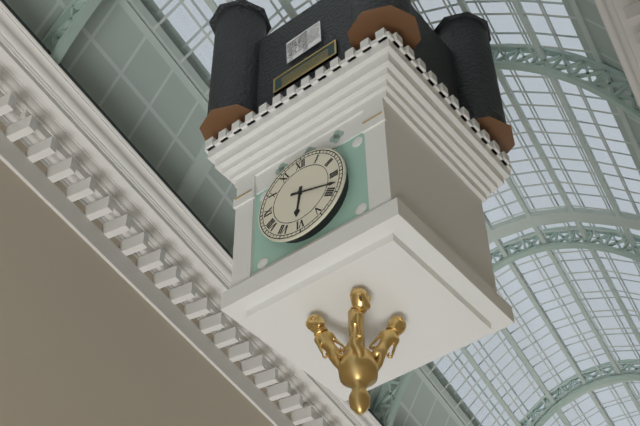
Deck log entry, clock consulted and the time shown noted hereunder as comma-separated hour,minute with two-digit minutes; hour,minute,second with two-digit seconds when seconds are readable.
6,18
